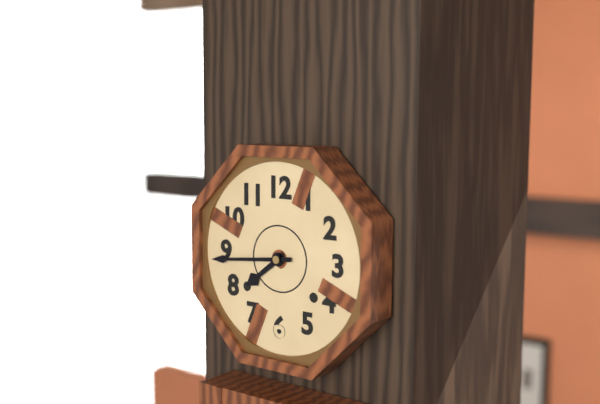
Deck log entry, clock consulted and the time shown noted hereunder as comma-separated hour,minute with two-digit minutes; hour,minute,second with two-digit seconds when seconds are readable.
7,44
